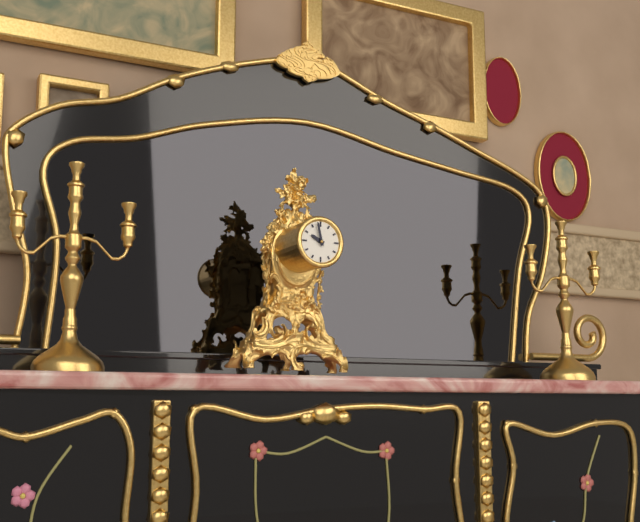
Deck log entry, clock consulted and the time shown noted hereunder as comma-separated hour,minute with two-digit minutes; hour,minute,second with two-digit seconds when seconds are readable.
9,58
